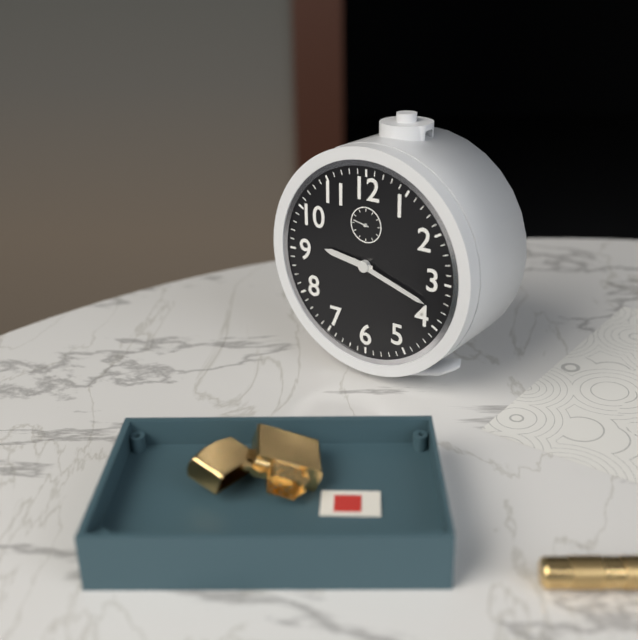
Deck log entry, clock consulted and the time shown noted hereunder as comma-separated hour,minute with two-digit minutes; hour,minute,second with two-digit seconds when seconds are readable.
9,18
